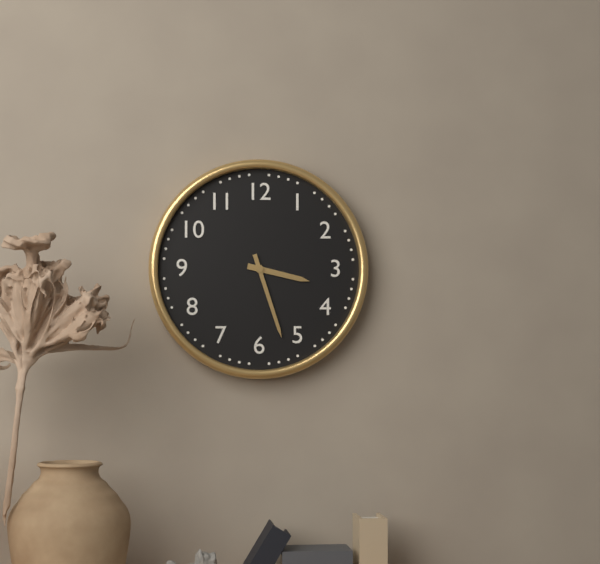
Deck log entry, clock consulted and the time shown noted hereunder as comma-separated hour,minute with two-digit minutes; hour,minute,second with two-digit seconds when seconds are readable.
3,27
